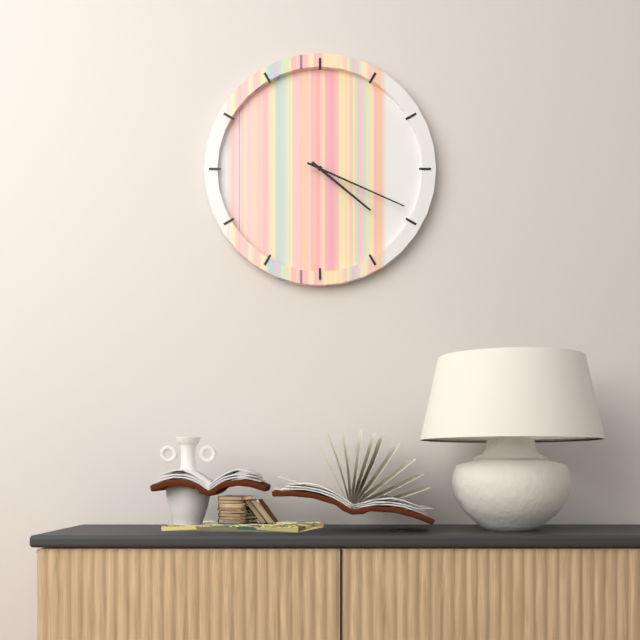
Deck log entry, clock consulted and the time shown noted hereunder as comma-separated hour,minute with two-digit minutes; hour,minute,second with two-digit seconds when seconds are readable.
4,19
